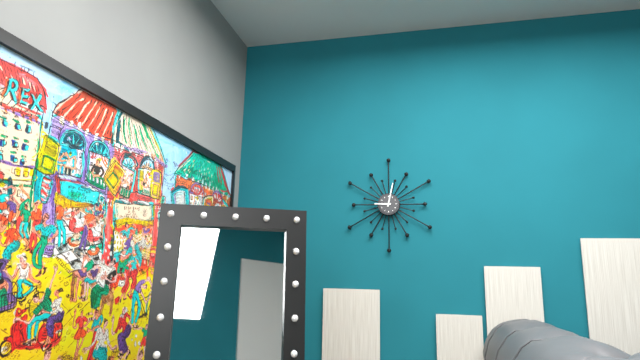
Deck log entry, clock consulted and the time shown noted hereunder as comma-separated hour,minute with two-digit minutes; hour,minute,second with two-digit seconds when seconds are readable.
9,02
